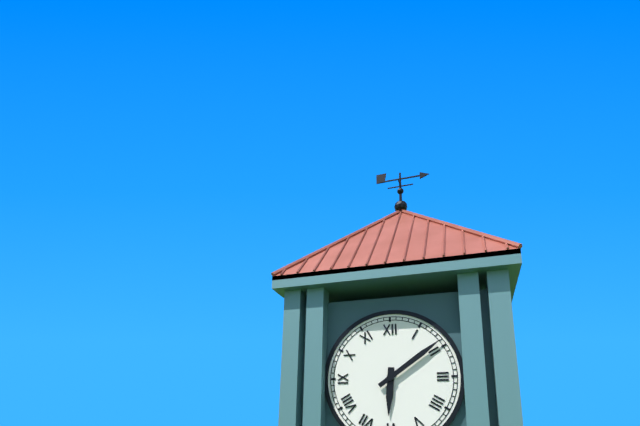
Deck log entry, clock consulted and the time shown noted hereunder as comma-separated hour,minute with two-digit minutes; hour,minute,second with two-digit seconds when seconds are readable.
6,09
